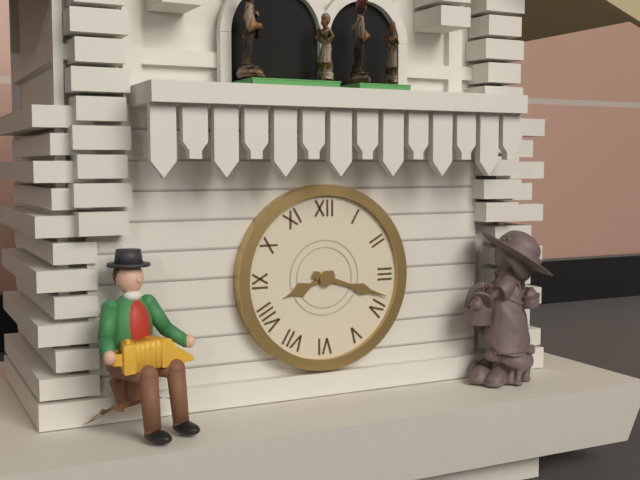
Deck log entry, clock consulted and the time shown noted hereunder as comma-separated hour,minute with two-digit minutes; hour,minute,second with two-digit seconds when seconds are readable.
8,18
